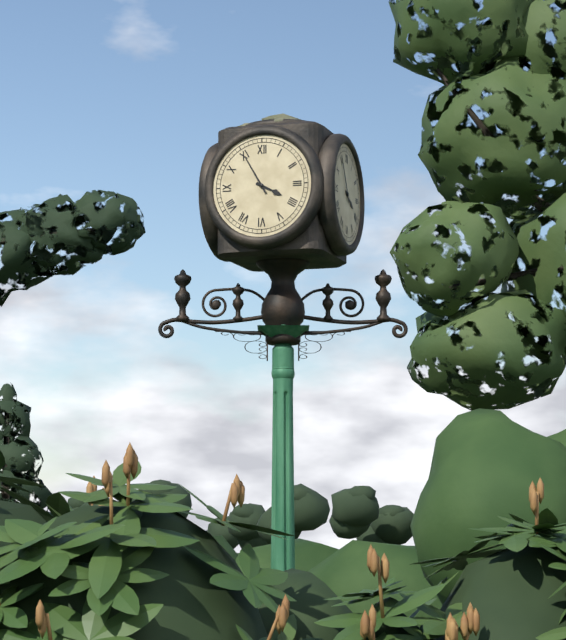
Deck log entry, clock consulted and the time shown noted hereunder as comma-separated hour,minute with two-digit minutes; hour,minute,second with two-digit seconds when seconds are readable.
3,55
